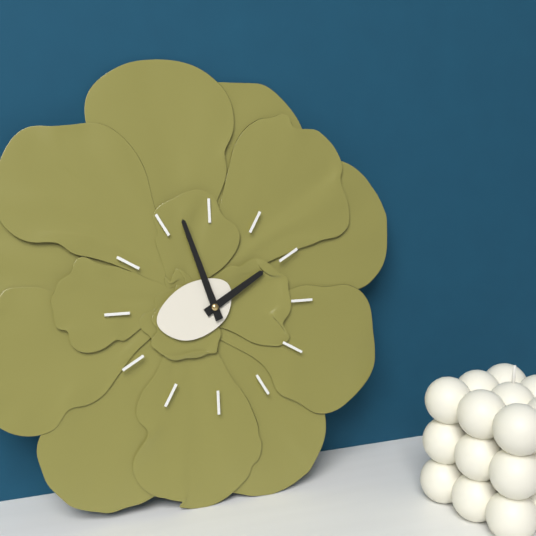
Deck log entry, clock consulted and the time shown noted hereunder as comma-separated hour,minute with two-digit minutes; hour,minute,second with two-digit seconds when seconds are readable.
1,57
